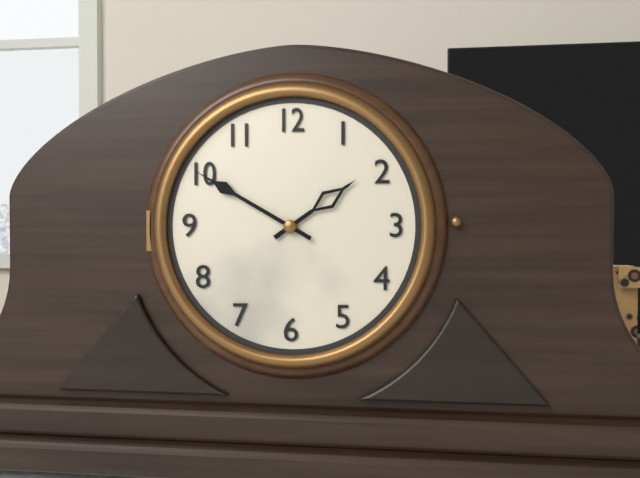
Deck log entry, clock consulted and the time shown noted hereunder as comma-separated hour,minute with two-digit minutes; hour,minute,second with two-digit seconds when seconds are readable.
1,50
